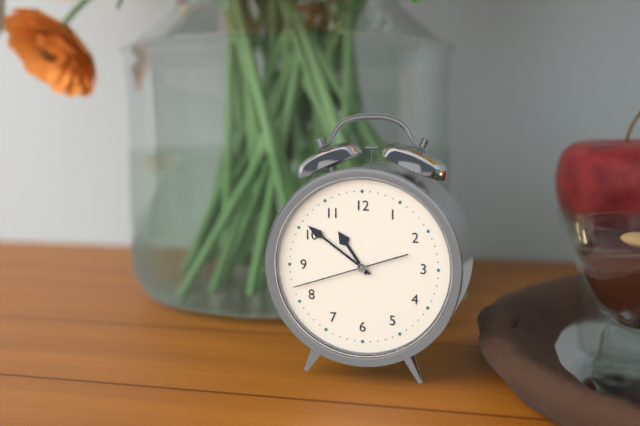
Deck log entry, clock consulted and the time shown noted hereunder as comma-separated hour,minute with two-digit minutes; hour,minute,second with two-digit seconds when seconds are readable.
10,51,42
